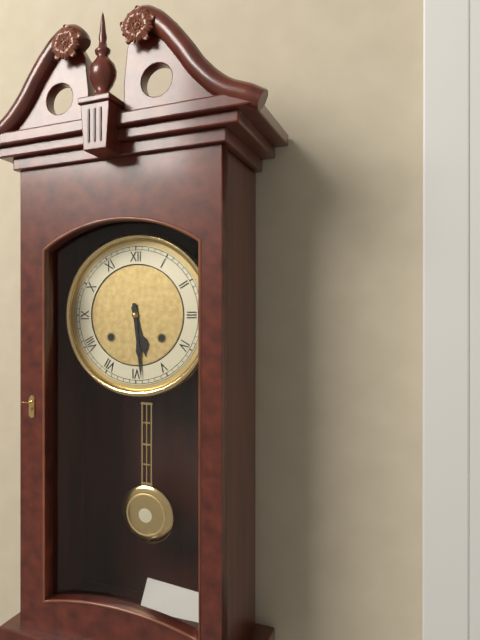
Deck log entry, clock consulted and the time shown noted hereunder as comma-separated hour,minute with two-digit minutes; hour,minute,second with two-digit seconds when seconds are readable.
5,29
